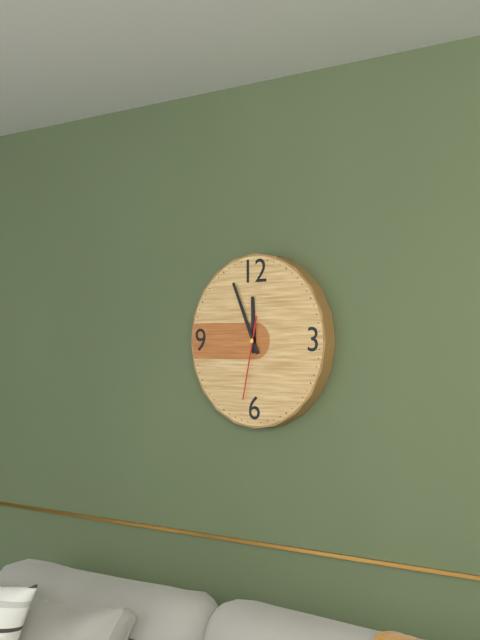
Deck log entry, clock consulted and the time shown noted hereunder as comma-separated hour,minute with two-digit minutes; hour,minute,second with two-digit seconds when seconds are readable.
11,56,32
